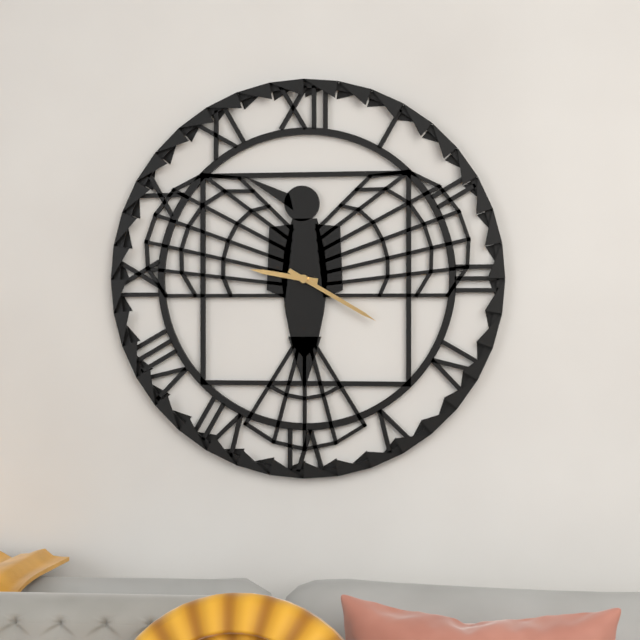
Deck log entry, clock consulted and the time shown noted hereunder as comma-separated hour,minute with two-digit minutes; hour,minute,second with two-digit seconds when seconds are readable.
9,20
